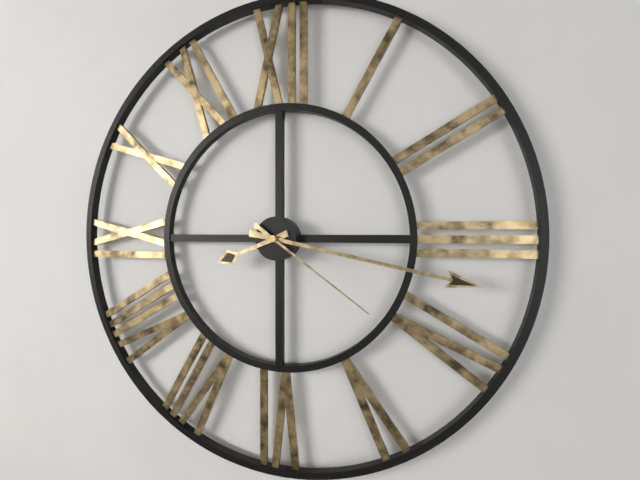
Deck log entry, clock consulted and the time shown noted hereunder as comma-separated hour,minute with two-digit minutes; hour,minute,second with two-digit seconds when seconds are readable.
8,17,21
